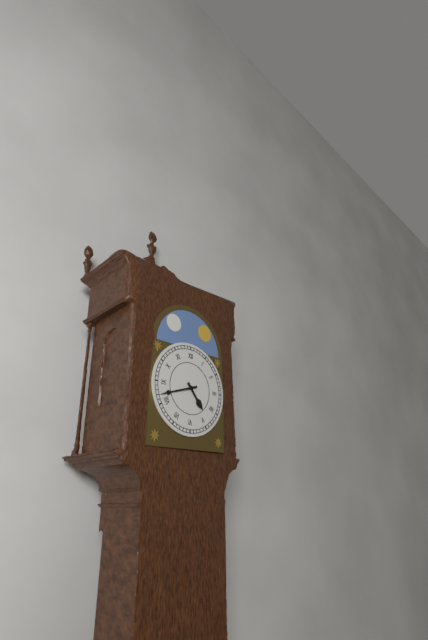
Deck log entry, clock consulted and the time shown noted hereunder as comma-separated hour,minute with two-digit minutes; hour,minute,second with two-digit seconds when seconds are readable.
4,42
